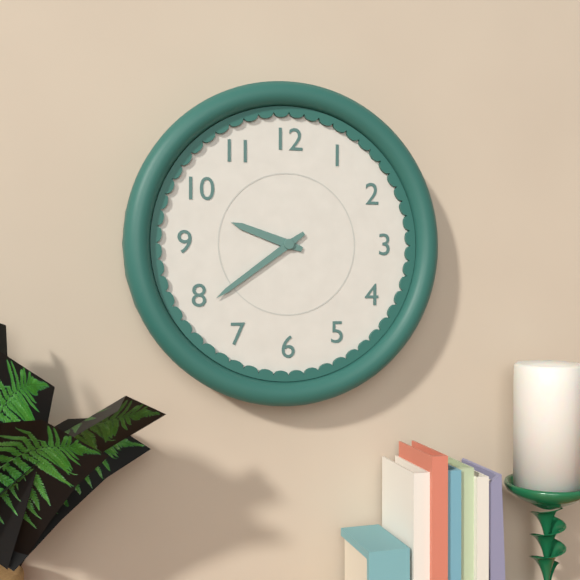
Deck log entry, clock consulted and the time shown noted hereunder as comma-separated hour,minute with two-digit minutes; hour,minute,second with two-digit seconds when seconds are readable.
9,39
